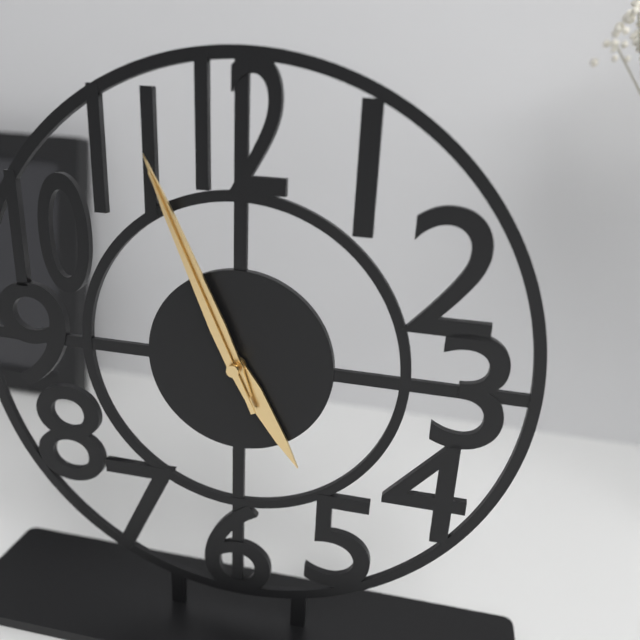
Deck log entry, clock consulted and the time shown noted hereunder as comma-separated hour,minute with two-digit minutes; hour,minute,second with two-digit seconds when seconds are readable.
4,56,56
